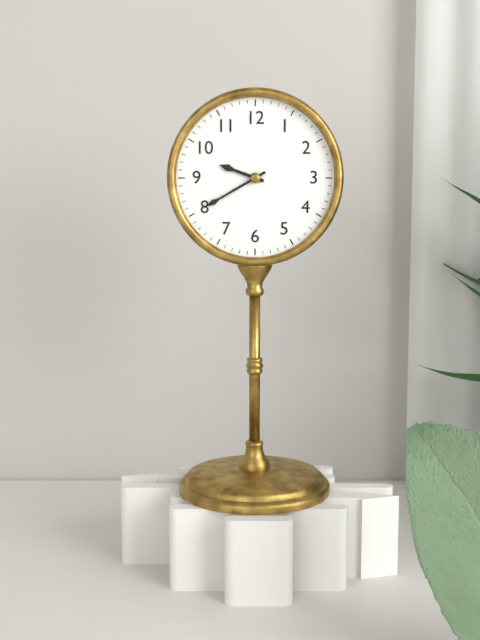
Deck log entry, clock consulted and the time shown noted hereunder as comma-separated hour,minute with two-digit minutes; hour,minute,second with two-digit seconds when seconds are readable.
9,40
